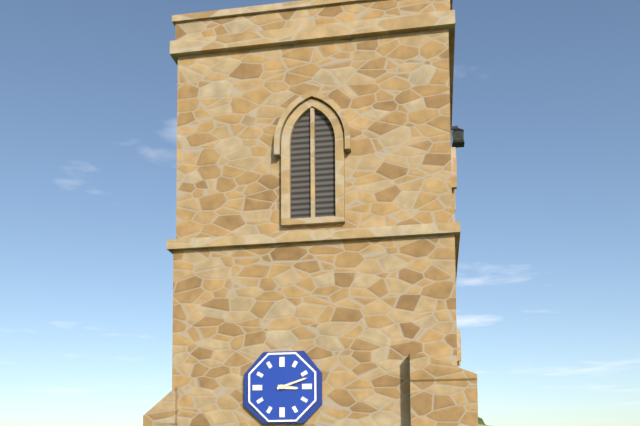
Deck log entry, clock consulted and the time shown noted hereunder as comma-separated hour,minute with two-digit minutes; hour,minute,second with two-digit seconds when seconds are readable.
3,12
